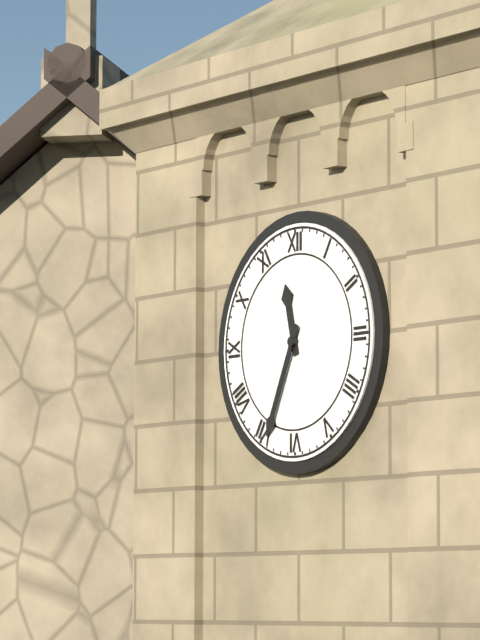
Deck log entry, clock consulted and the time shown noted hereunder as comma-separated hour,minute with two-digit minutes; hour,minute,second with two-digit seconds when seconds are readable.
11,34
